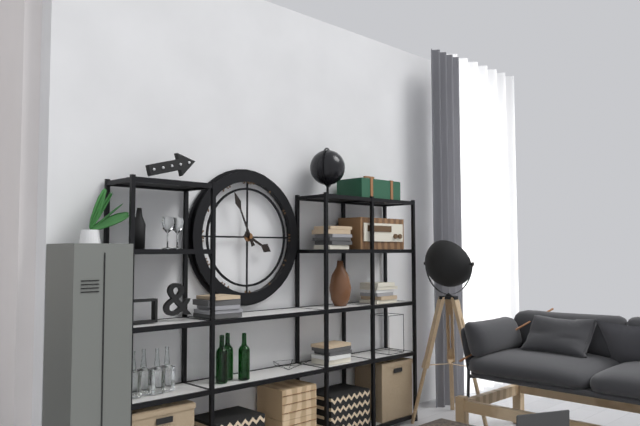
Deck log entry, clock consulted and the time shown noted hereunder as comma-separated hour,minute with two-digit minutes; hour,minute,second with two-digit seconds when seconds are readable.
3,56
